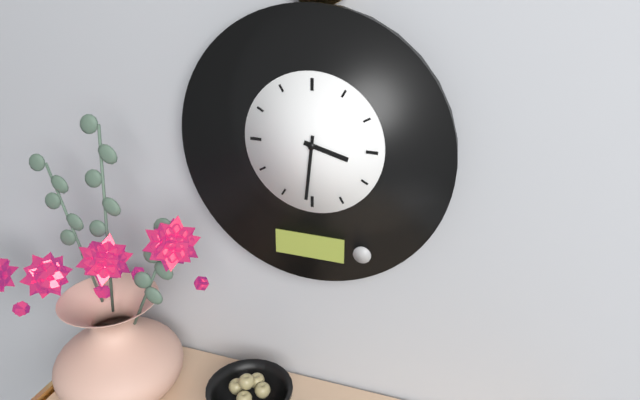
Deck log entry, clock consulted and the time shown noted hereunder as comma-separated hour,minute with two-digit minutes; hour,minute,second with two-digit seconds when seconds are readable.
3,31
